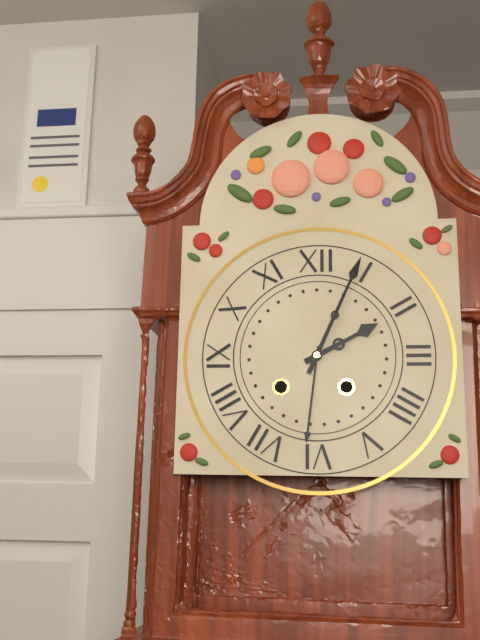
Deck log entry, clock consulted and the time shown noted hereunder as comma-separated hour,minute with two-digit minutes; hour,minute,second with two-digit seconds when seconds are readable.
2,04
